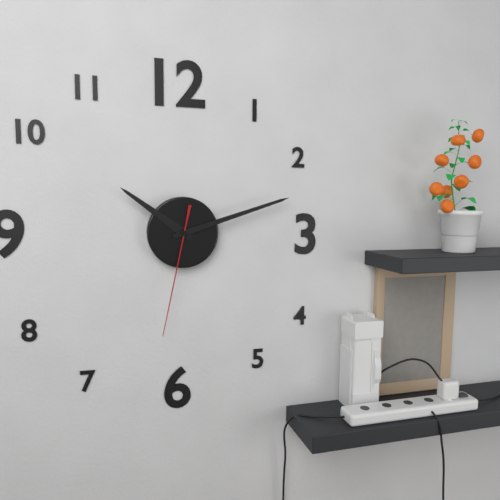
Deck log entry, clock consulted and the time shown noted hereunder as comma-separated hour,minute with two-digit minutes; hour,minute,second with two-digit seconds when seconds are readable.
10,12,32
